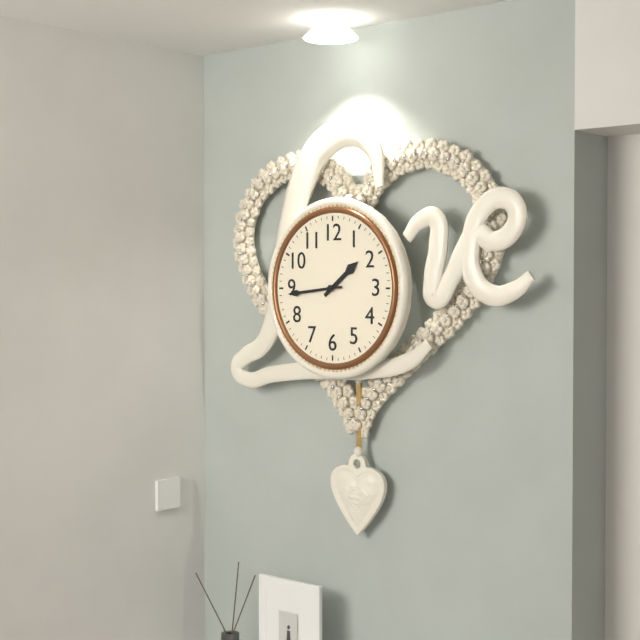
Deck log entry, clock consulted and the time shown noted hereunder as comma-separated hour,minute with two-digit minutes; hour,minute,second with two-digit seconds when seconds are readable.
1,44
